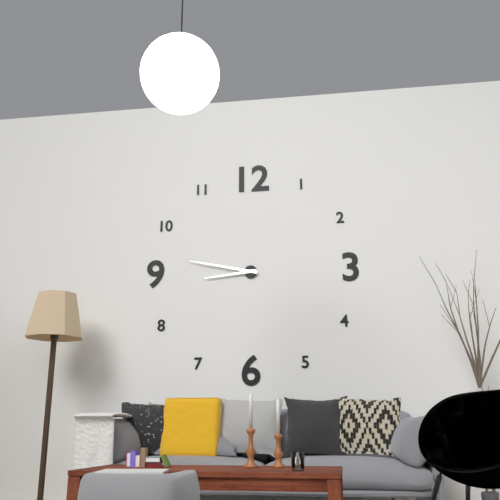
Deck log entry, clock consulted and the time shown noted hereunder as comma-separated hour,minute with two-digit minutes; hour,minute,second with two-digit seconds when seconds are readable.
8,47
